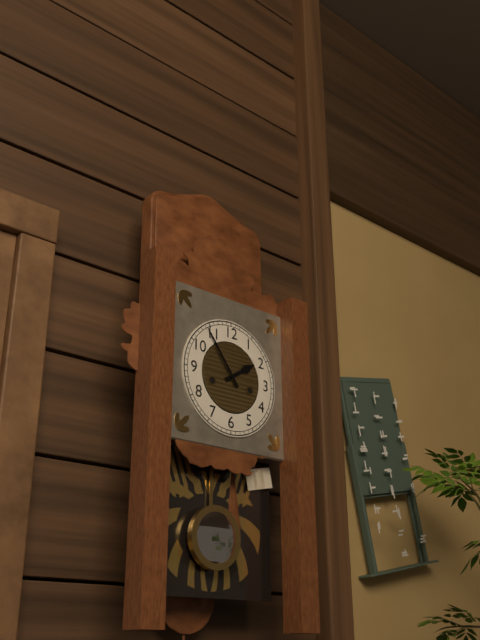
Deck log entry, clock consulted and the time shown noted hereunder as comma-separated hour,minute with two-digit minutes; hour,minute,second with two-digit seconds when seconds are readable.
1,54
